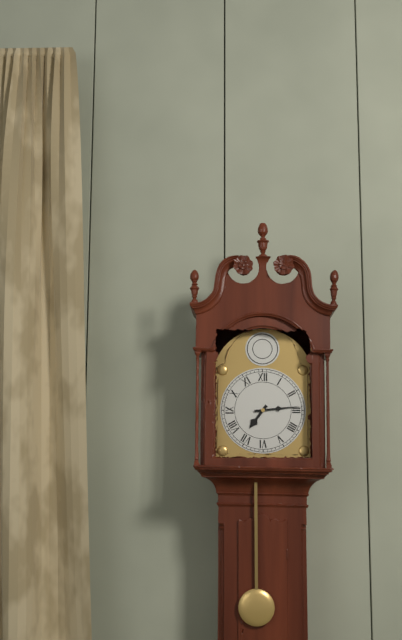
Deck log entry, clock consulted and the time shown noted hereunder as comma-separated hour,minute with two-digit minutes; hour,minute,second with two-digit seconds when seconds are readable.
7,14
